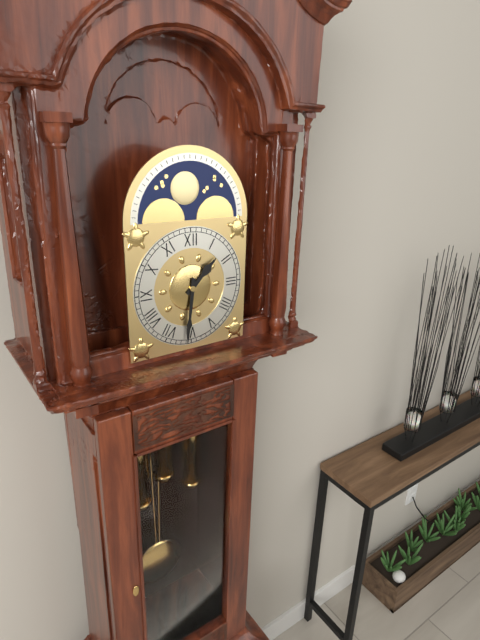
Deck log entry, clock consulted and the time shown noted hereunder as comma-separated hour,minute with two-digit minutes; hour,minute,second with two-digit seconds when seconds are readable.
1,31
